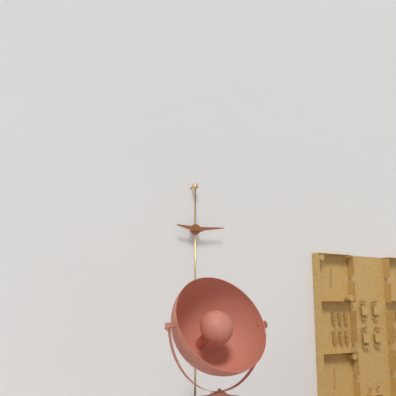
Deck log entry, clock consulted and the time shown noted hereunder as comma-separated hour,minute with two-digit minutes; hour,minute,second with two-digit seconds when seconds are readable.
9,14
